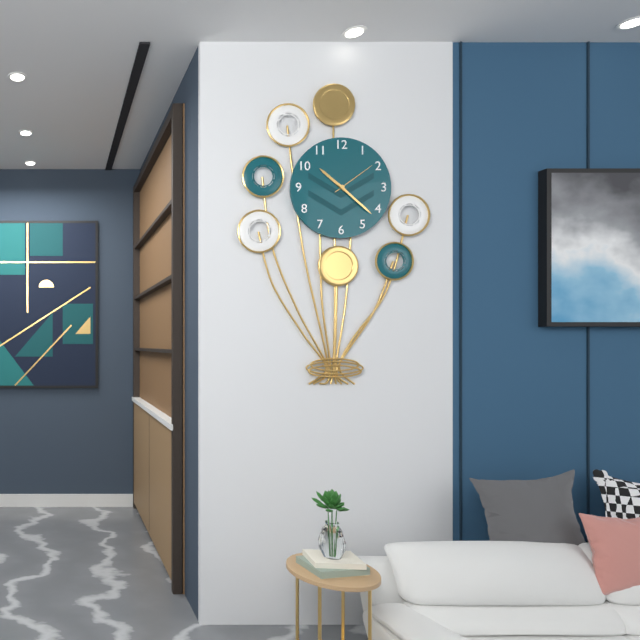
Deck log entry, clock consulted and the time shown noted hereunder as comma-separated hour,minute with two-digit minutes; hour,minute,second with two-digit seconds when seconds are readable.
10,22
